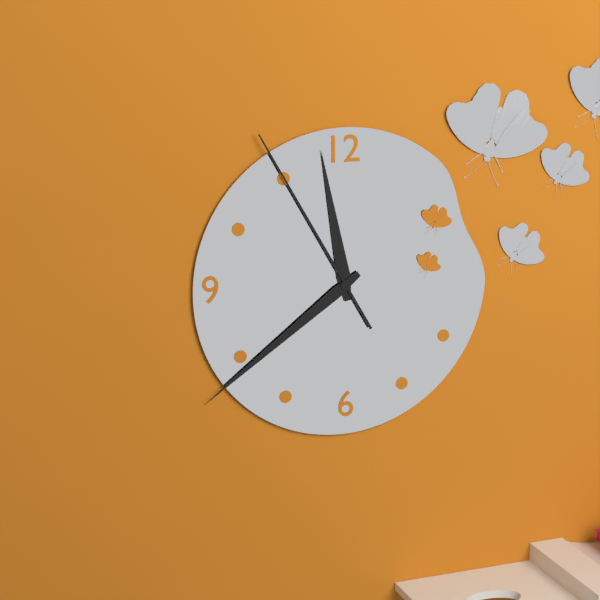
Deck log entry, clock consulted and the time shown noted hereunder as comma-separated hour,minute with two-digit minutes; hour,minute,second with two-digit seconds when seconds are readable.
11,39,55
